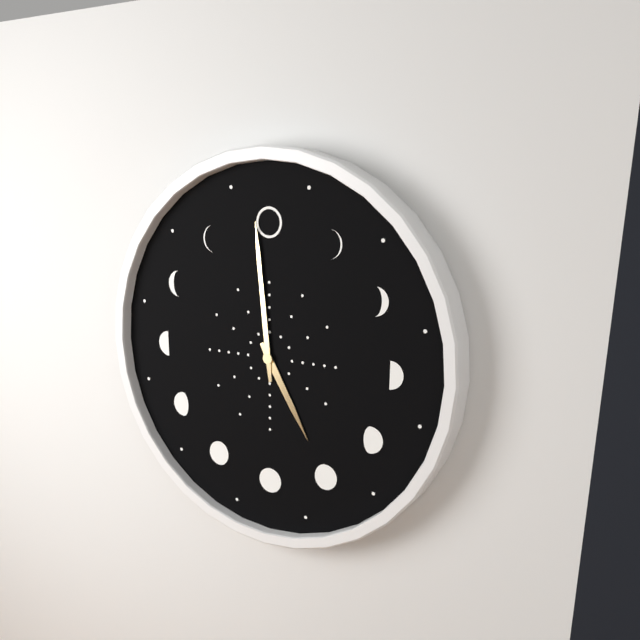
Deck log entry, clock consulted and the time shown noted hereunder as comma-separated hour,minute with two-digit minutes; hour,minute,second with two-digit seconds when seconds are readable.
4,59
